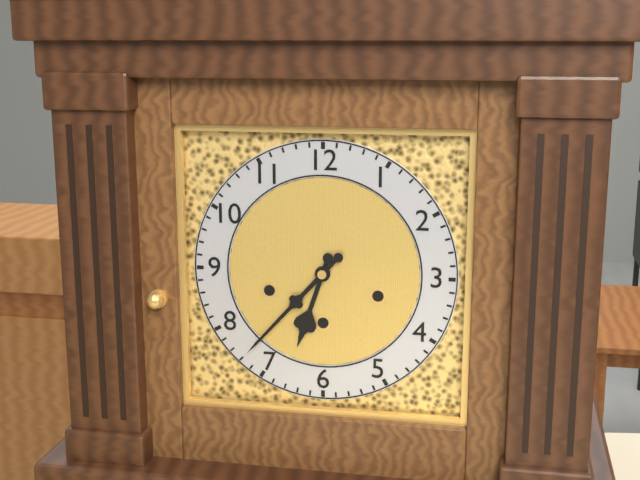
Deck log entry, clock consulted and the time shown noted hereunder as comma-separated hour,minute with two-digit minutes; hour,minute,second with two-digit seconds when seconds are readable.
6,37
